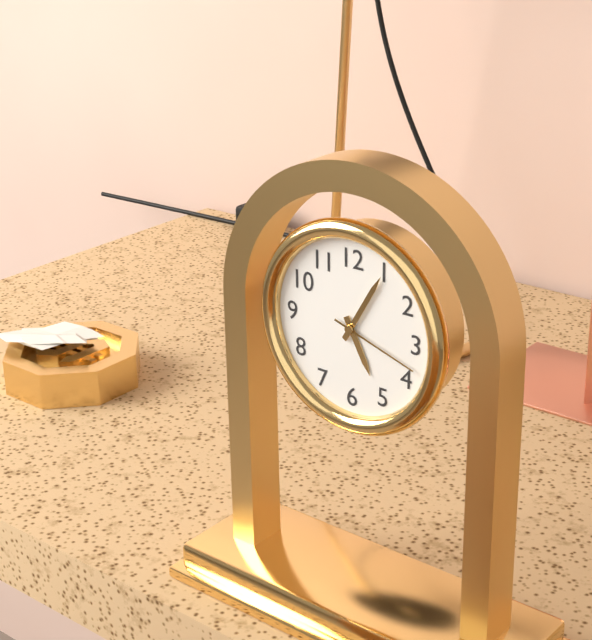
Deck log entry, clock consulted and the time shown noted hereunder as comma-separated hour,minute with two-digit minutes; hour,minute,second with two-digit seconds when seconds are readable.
5,05,18
